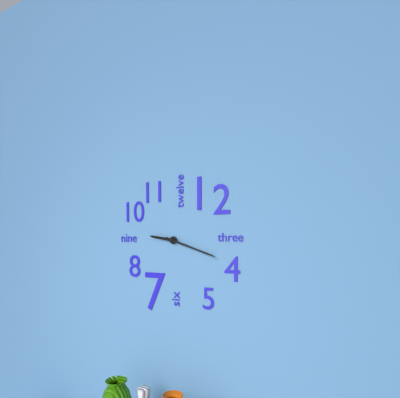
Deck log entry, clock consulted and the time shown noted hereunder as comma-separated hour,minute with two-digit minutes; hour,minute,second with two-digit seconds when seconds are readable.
9,18
